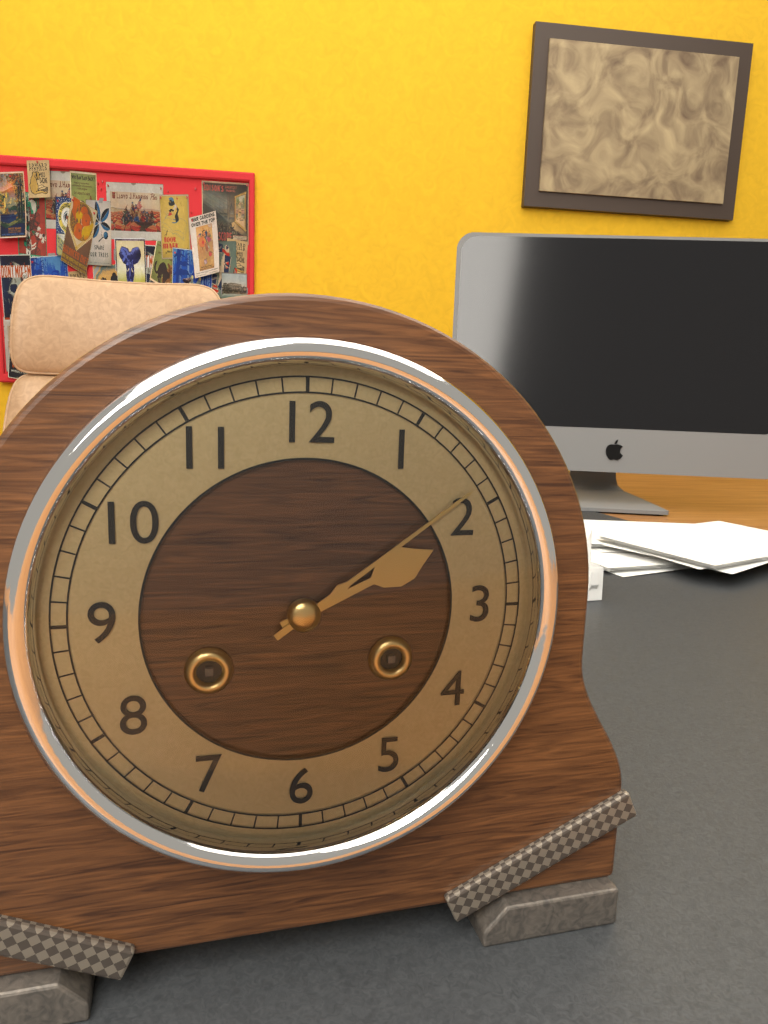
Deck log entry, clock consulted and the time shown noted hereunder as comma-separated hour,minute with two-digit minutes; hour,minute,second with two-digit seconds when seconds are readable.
2,09
